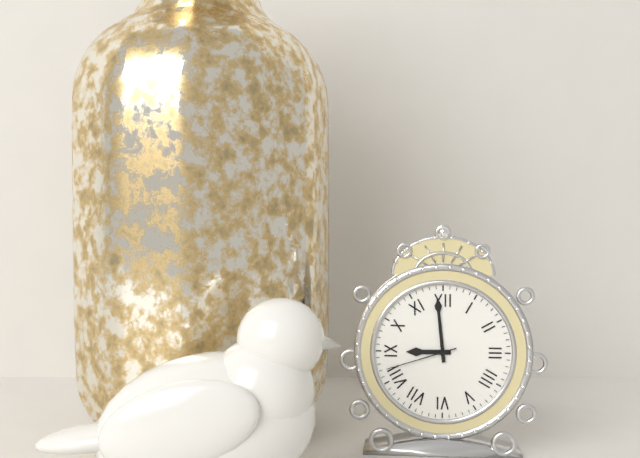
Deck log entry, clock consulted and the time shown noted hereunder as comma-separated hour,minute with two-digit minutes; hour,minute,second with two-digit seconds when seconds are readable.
8,59,42
